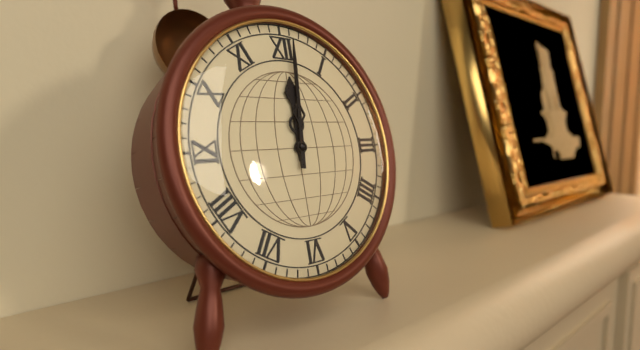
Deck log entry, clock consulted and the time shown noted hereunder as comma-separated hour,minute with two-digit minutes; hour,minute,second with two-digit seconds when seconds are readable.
12,01
